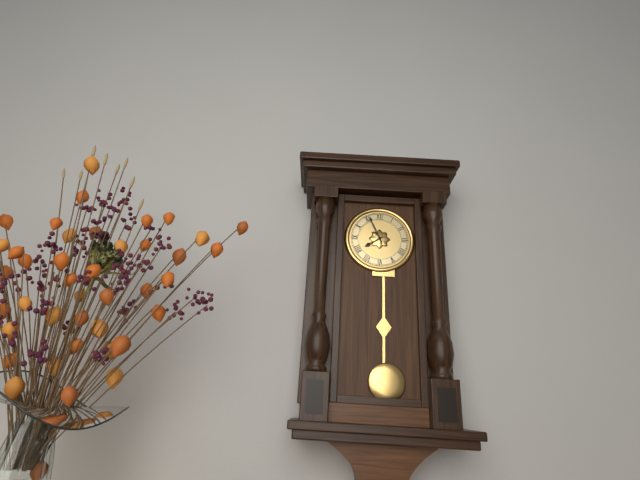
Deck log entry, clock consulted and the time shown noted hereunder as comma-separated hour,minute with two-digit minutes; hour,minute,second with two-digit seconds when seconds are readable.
7,56
